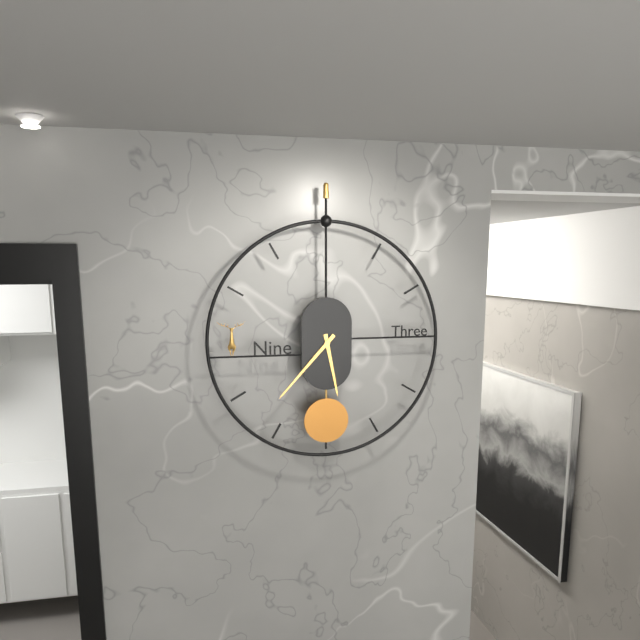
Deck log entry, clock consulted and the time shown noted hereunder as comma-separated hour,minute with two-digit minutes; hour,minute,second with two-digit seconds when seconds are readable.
5,37
